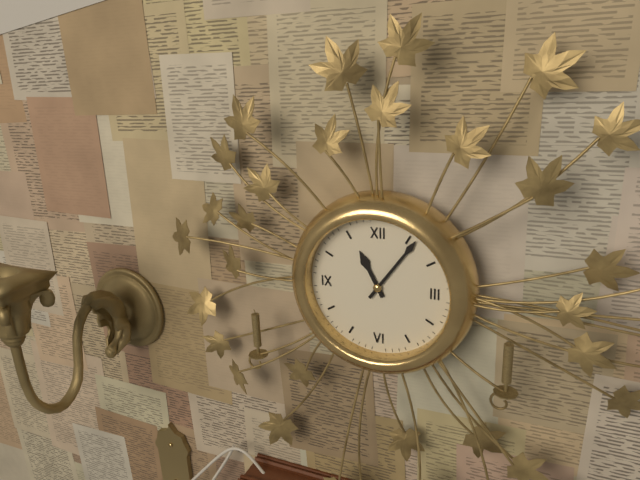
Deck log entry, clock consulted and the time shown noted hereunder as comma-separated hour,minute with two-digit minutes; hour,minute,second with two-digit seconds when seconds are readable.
11,06
